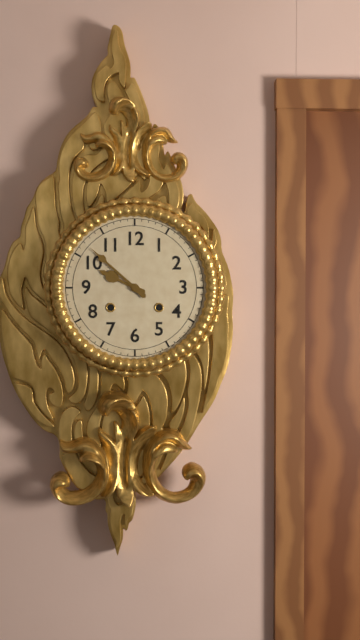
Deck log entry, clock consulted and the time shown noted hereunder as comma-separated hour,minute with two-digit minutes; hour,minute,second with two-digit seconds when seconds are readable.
9,52
